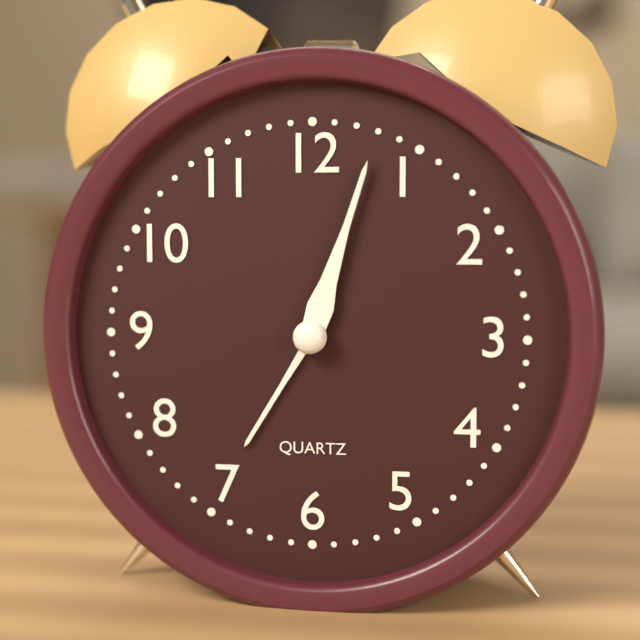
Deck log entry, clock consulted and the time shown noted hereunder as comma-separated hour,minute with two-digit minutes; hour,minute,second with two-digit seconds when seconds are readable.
7,03
